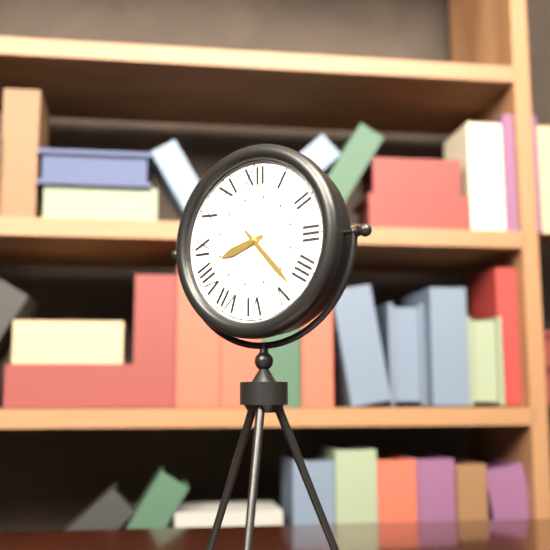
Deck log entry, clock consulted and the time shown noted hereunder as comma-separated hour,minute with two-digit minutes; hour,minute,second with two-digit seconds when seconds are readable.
8,23
